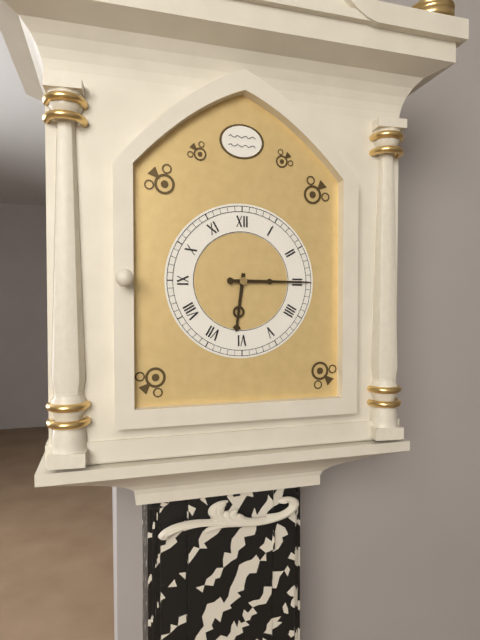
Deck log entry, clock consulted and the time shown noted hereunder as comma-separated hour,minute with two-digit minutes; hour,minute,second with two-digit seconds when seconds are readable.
6,15
